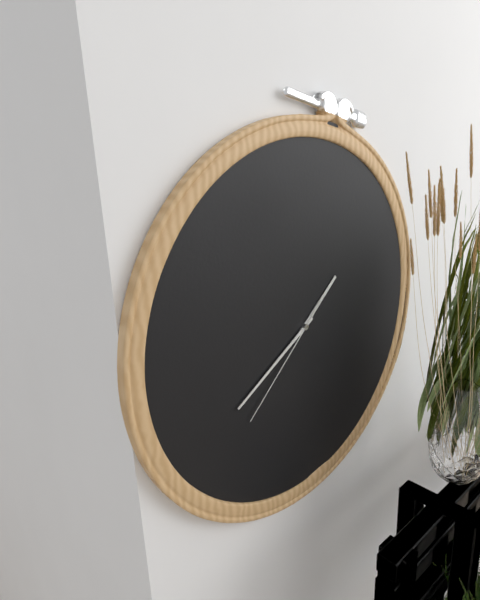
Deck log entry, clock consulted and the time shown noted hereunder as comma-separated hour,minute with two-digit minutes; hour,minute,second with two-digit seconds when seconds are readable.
1,40,38
